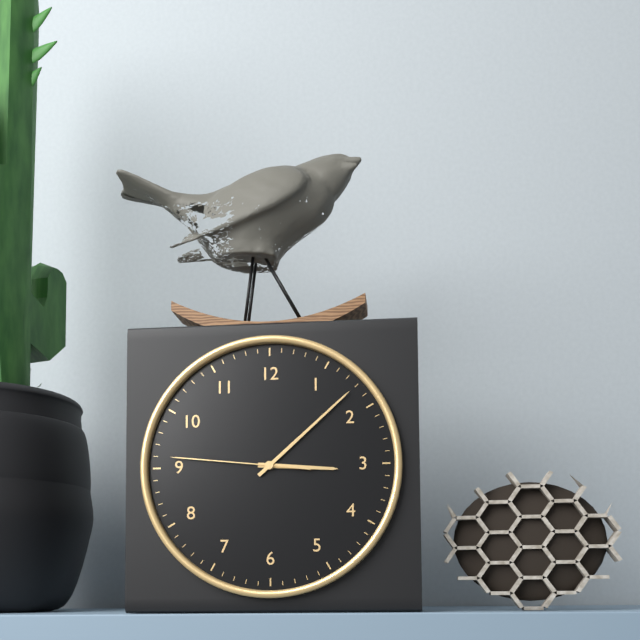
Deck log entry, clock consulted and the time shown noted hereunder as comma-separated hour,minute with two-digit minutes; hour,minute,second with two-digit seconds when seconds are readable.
3,08,46
